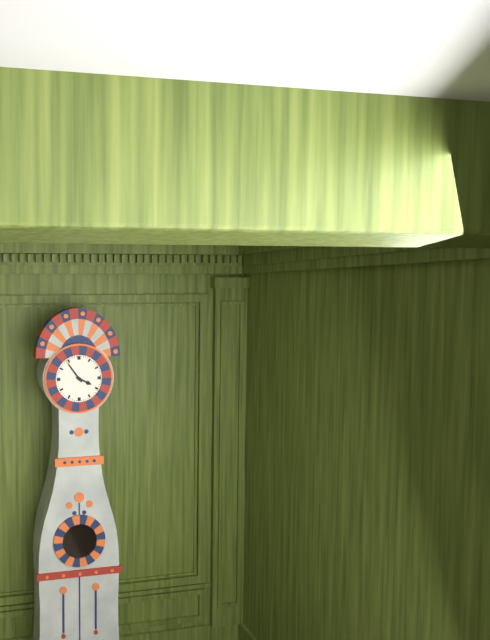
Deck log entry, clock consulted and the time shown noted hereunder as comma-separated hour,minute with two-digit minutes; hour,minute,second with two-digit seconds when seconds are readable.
3,54
